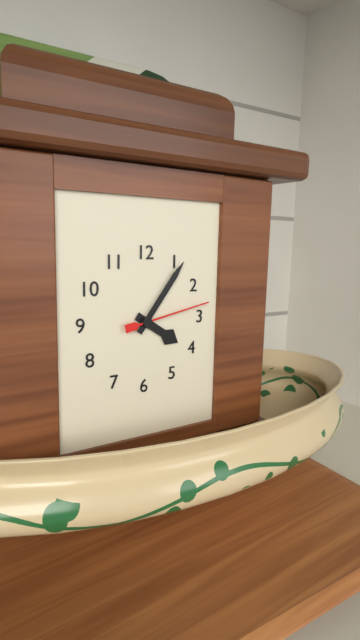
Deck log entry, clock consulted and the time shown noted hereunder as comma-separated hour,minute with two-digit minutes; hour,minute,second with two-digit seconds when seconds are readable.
4,06,13
